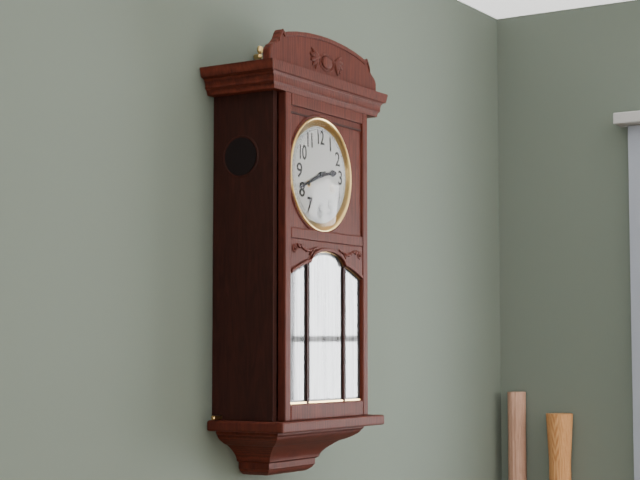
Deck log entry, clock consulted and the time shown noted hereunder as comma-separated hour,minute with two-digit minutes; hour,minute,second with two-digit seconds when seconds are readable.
2,41
